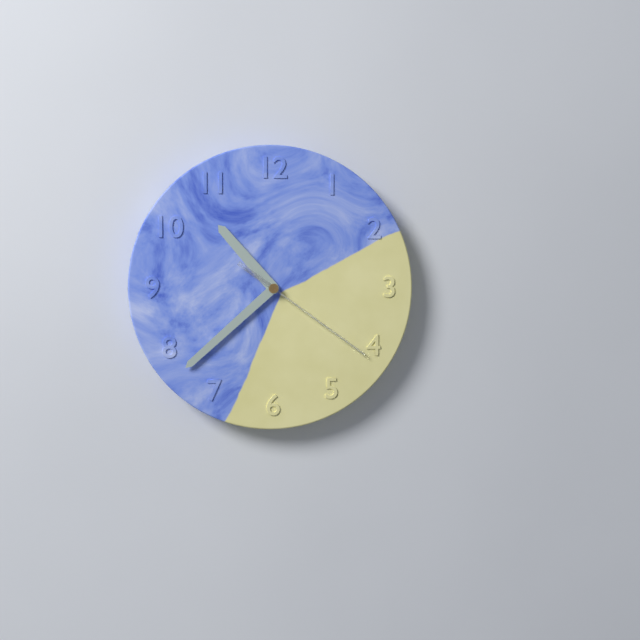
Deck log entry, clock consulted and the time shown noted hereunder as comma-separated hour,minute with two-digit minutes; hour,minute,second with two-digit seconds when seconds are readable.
10,38,21
